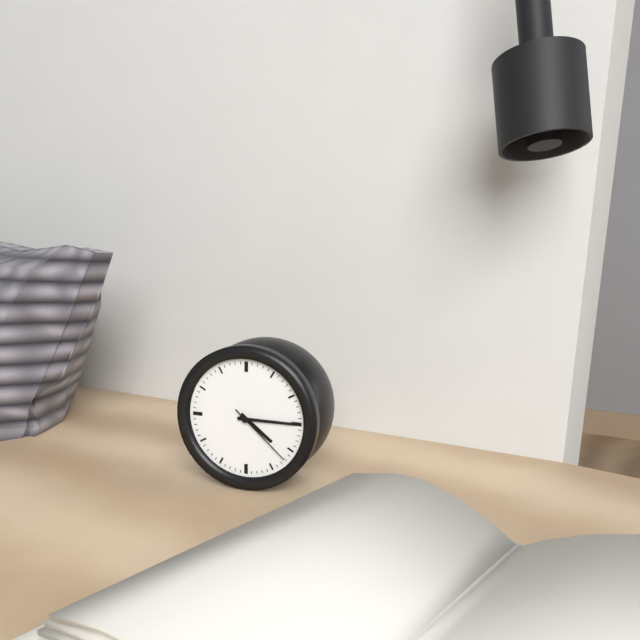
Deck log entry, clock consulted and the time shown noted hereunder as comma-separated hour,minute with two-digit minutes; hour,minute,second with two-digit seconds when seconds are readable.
4,15,22
